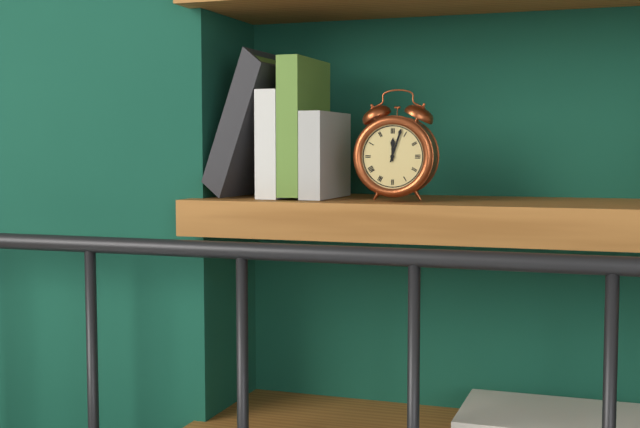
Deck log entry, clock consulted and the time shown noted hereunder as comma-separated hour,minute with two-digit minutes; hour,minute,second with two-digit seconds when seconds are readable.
12,03
